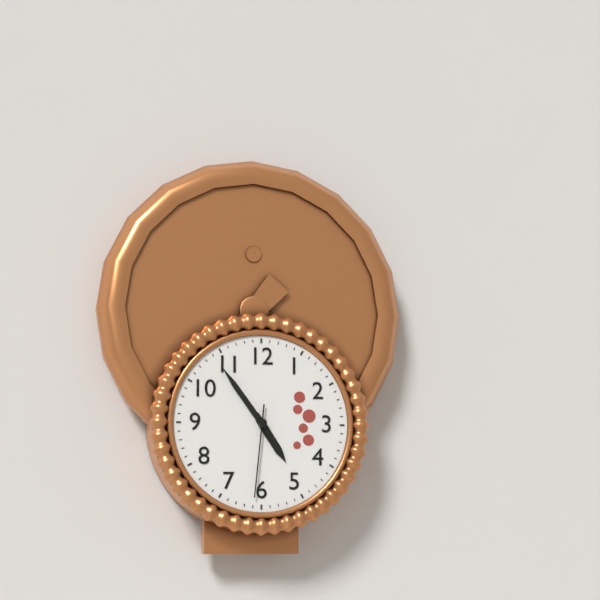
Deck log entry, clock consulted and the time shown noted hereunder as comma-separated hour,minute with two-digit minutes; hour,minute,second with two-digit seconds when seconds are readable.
4,54,31
